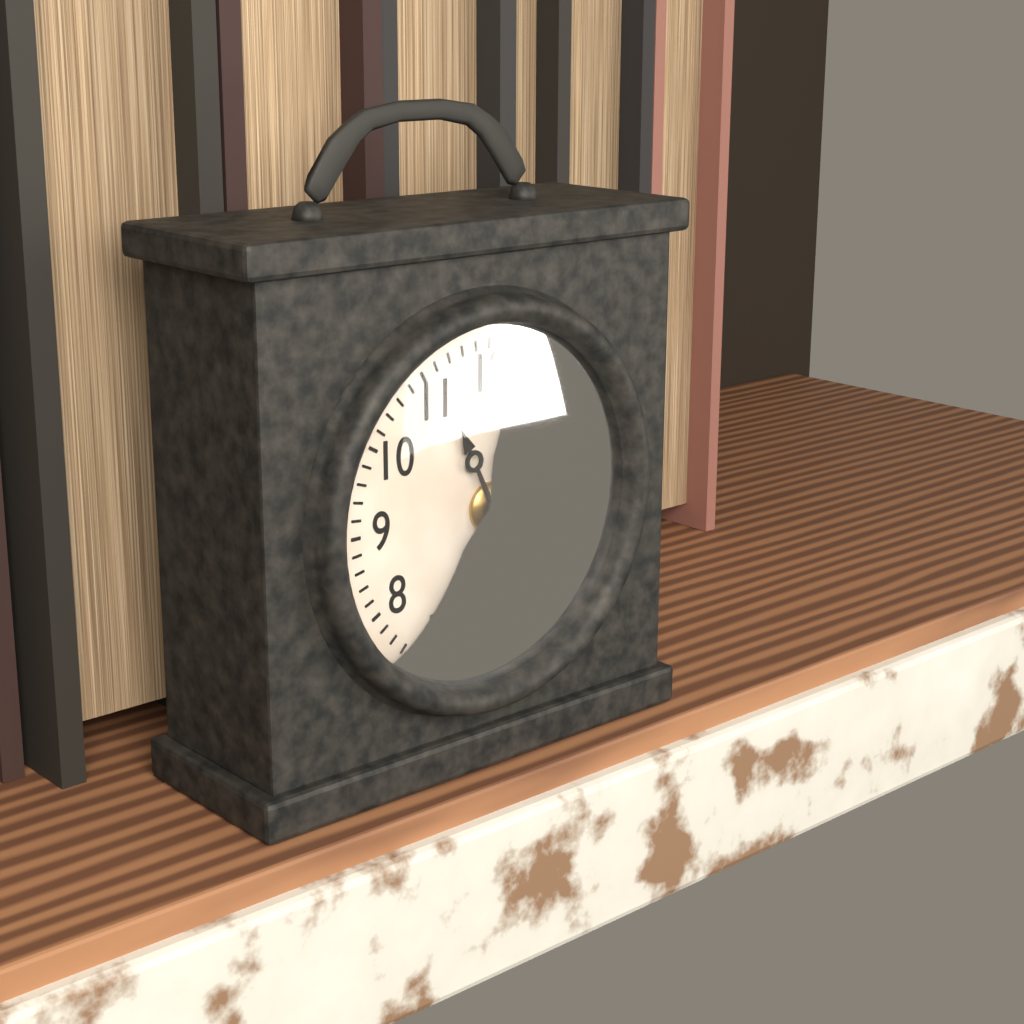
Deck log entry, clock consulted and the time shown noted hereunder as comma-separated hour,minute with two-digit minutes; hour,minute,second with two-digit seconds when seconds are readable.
11,09
